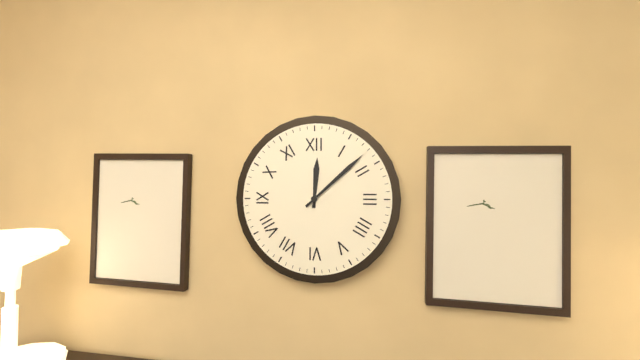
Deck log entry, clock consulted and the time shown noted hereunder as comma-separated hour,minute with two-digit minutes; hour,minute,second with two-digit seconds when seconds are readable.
12,08
